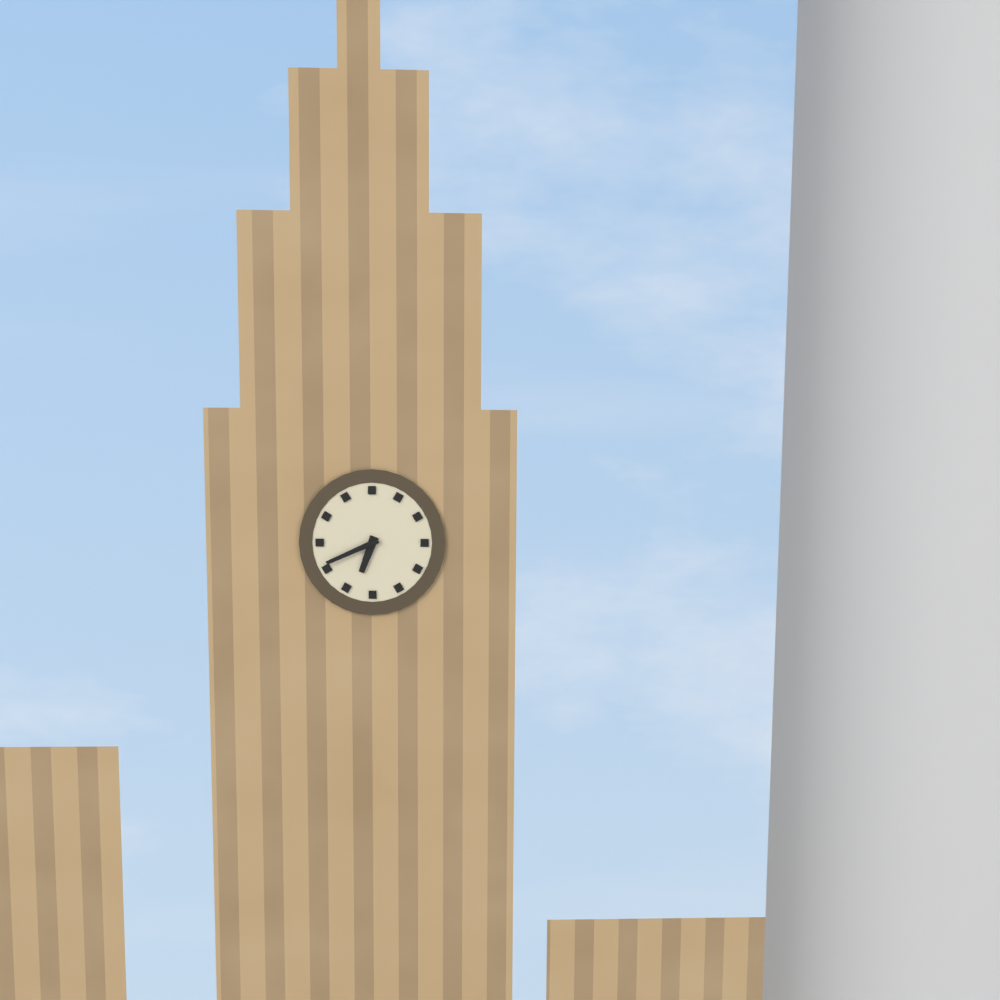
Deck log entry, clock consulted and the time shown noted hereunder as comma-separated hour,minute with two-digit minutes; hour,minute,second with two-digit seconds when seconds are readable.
6,41
